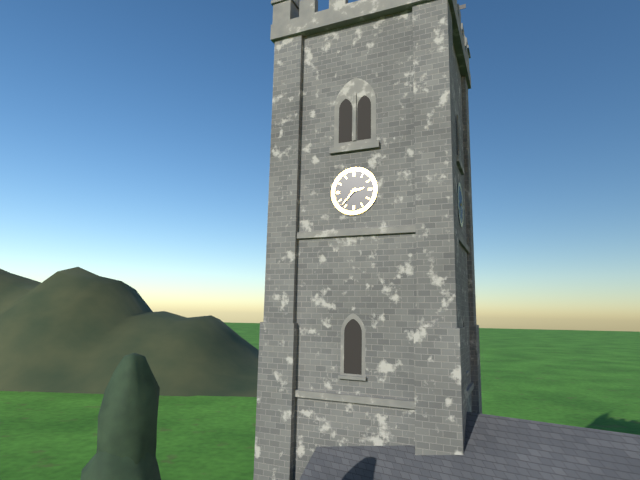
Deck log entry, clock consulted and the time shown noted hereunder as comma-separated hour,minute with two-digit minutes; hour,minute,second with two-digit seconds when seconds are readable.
2,37
